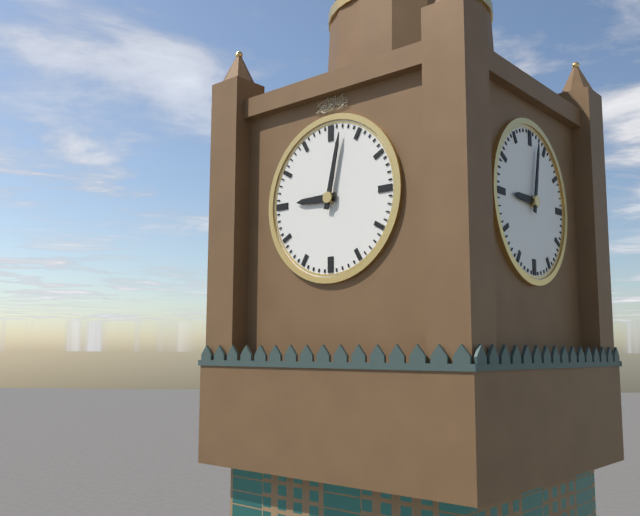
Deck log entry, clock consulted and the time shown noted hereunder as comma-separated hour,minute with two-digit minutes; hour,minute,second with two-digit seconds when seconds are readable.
9,02
